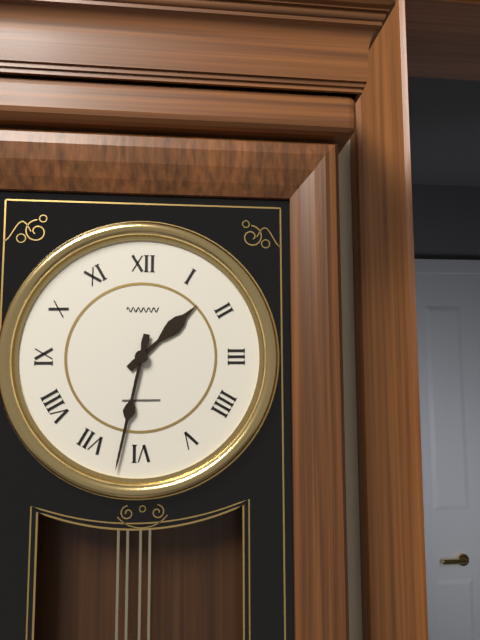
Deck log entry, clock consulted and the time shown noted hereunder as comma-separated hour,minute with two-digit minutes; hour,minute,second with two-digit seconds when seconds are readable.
1,32
